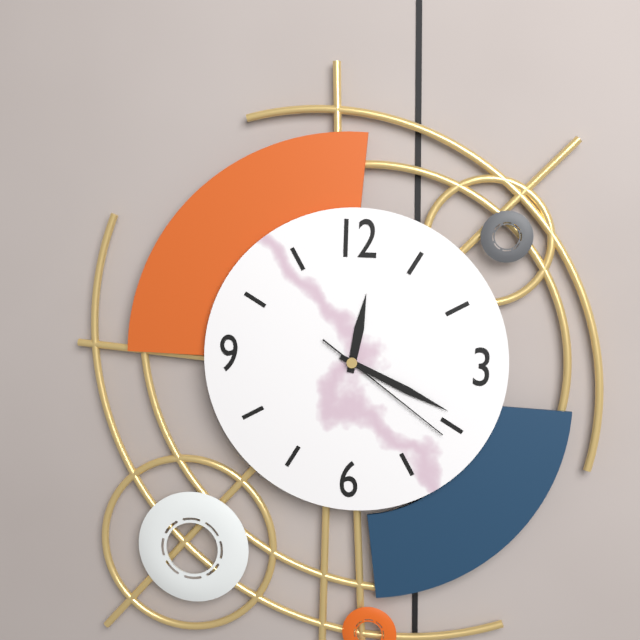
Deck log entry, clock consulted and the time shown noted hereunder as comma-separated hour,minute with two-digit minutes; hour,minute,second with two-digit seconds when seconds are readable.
12,19,21
